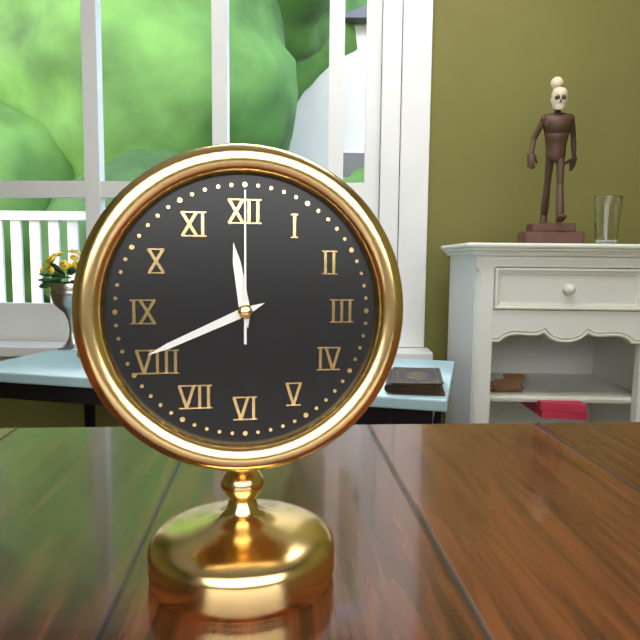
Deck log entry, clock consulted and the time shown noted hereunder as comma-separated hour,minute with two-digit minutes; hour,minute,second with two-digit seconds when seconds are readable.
11,41,00
